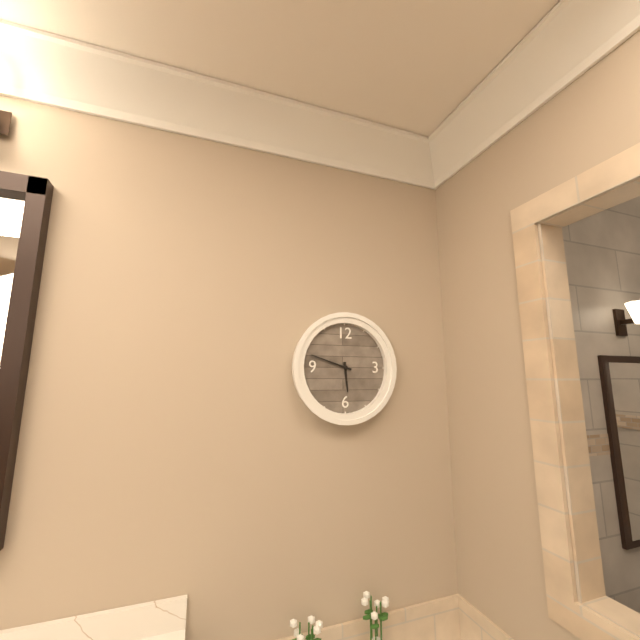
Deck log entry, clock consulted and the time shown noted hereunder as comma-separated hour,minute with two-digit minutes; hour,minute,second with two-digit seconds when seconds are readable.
5,48
